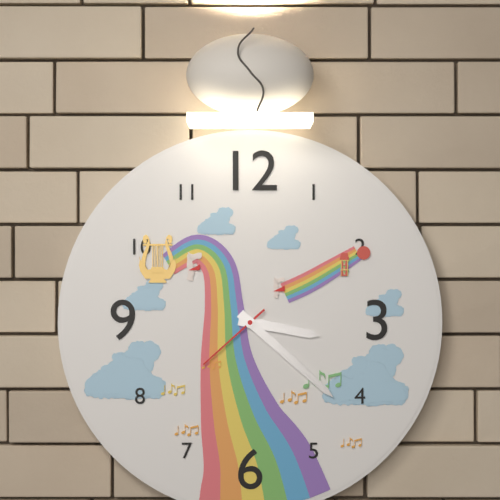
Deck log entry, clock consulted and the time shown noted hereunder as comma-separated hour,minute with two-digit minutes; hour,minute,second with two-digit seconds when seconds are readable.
3,22,38
